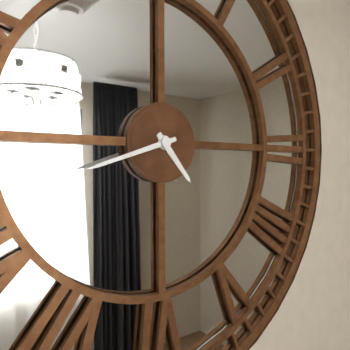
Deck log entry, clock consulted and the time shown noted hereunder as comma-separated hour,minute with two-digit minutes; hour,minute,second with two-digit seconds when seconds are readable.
4,42
